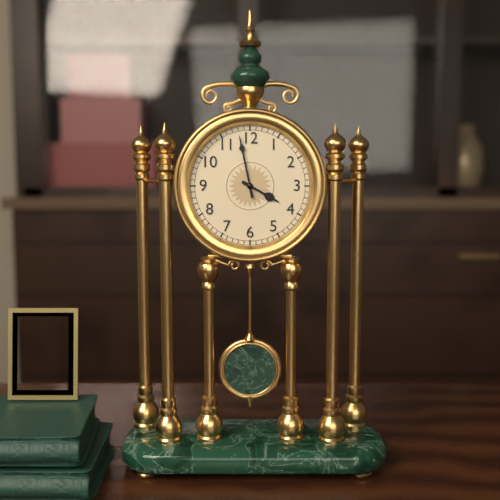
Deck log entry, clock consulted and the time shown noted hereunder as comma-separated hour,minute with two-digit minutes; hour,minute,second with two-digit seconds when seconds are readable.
3,58
